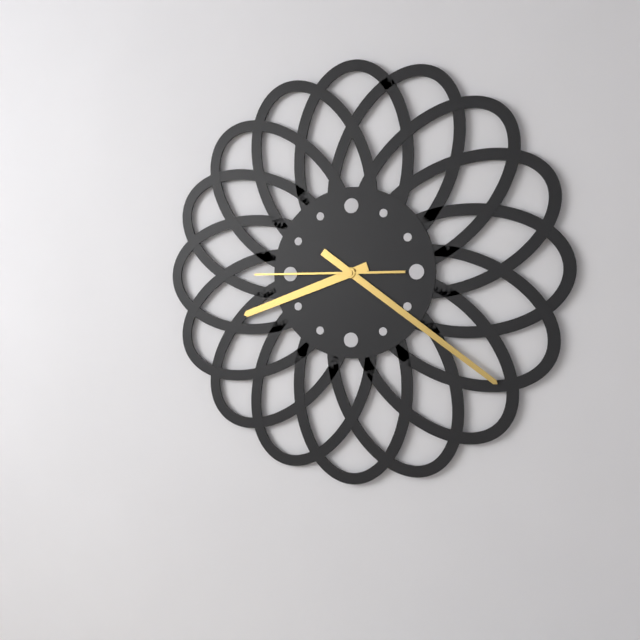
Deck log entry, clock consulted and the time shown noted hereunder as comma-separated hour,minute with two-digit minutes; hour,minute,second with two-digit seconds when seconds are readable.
8,21,45
